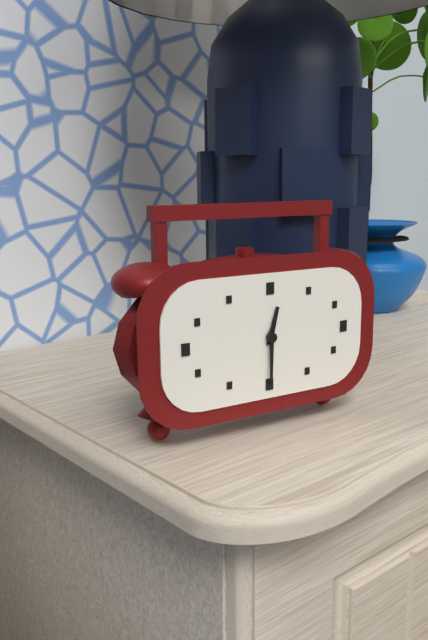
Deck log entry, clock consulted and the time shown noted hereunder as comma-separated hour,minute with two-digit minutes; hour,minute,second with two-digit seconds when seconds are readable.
12,30
